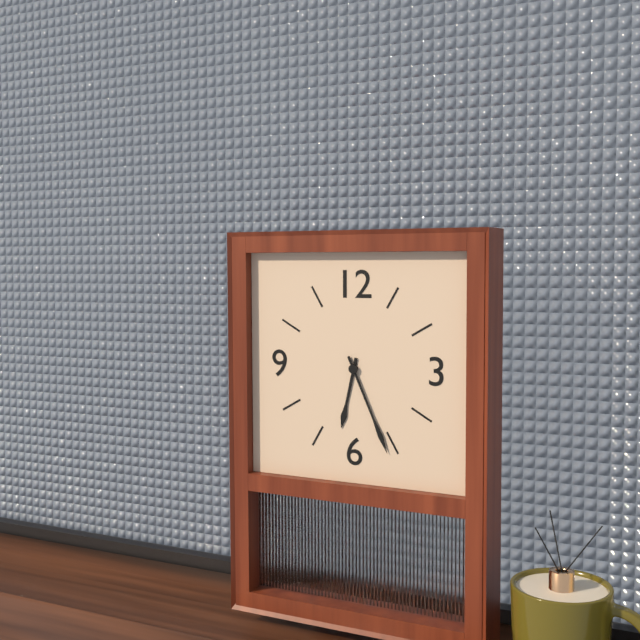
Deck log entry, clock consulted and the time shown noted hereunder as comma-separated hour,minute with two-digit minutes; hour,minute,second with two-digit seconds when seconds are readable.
6,26
